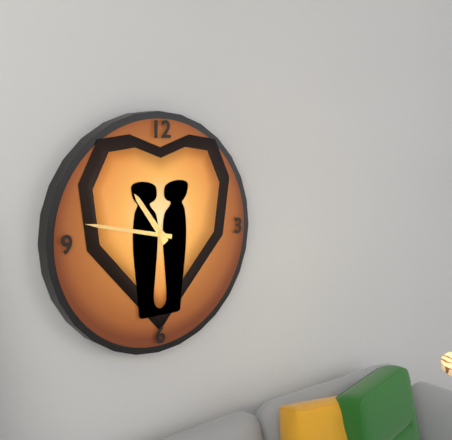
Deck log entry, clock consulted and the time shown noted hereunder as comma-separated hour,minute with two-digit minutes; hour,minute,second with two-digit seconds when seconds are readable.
10,47
